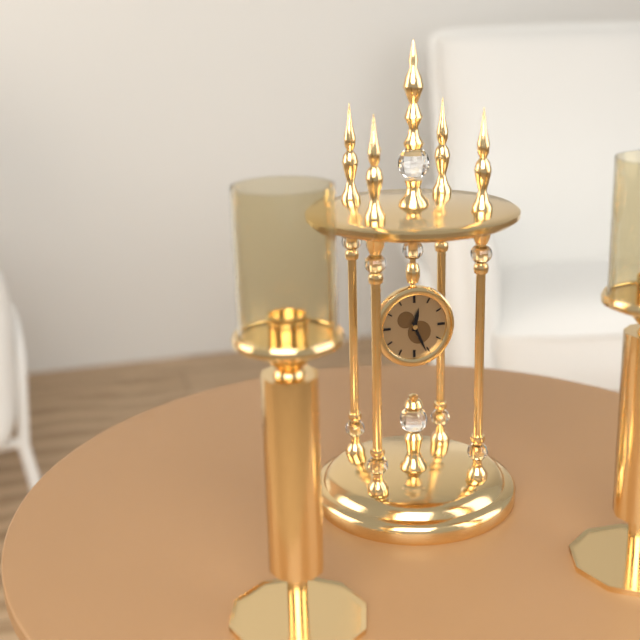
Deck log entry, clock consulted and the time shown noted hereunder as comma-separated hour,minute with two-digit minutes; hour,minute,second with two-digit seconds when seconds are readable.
12,26
